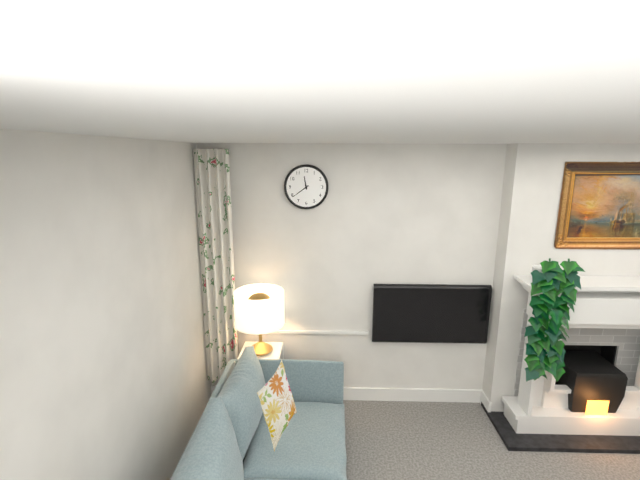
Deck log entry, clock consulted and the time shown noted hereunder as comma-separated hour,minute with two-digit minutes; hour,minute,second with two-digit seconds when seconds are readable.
11,39
